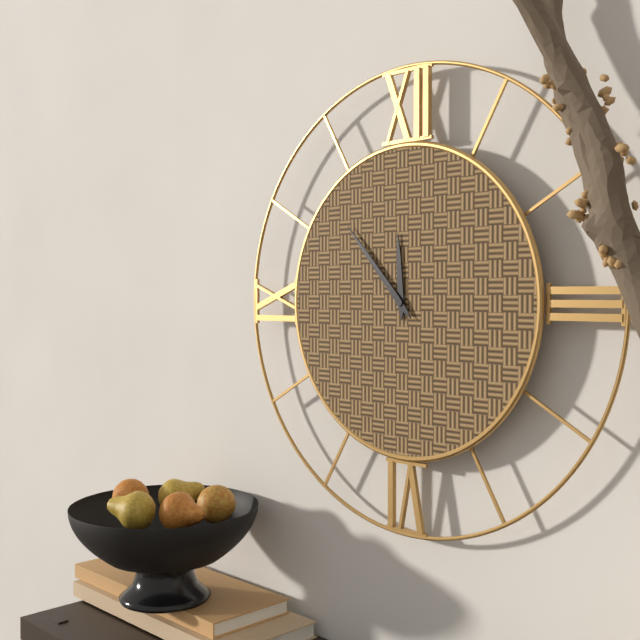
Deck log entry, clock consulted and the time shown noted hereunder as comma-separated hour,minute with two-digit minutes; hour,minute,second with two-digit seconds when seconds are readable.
11,53
